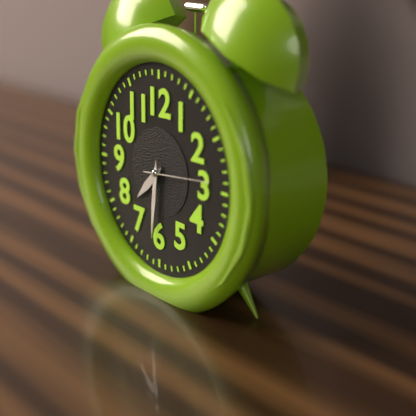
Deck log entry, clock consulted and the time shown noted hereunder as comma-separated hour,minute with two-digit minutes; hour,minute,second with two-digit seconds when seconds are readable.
7,31,14
